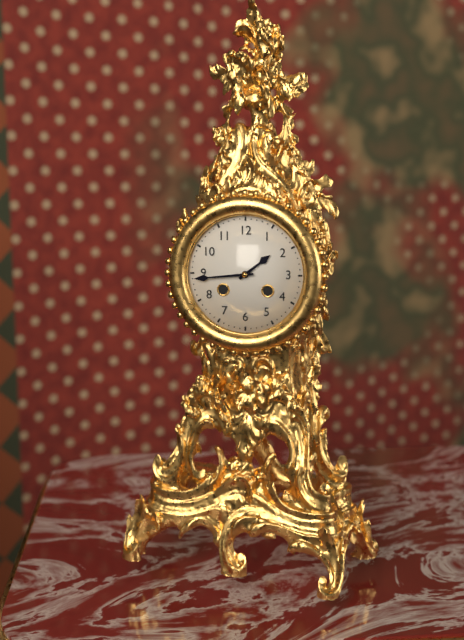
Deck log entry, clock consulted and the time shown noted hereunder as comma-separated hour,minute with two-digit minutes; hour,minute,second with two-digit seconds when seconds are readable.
1,44
